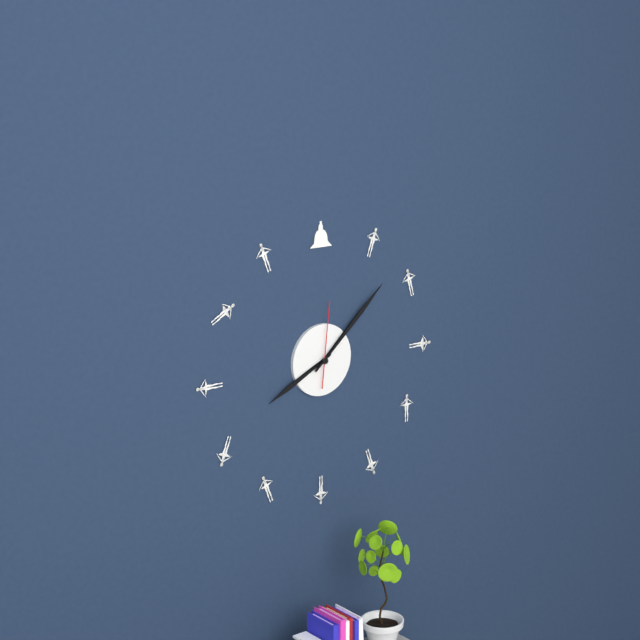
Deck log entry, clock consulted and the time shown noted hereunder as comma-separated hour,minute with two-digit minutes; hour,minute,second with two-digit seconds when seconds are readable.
8,08,01
